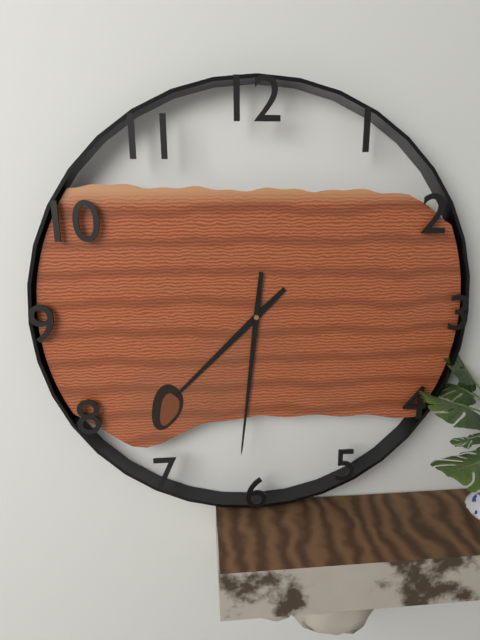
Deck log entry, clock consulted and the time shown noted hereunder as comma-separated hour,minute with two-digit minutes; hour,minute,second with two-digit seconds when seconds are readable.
7,31
